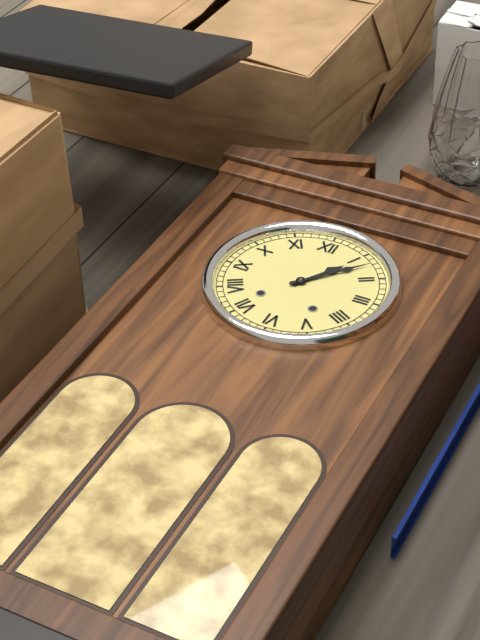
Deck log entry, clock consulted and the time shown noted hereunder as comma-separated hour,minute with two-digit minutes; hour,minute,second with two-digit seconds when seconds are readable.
1,07
